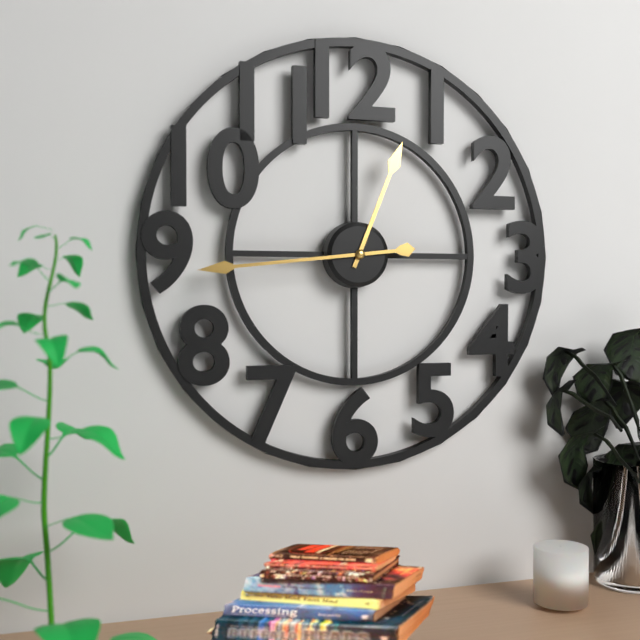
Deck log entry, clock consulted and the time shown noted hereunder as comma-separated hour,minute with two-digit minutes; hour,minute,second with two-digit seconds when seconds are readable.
12,44
